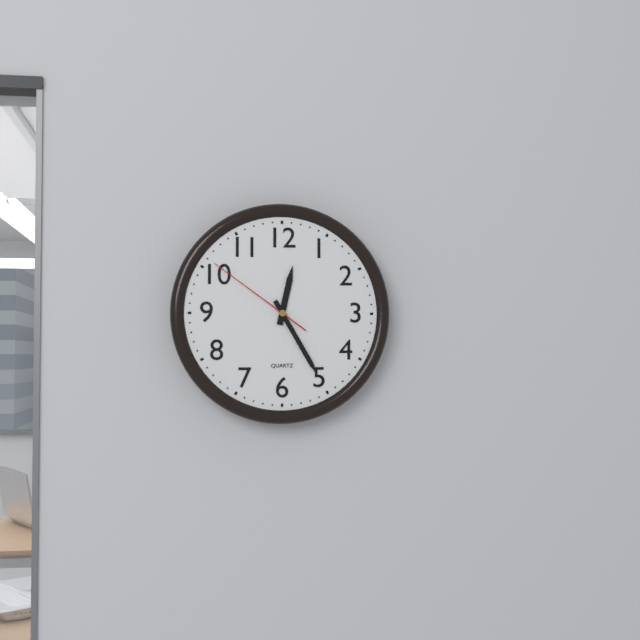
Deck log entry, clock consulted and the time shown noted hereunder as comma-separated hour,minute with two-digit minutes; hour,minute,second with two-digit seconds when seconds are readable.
12,25,51
